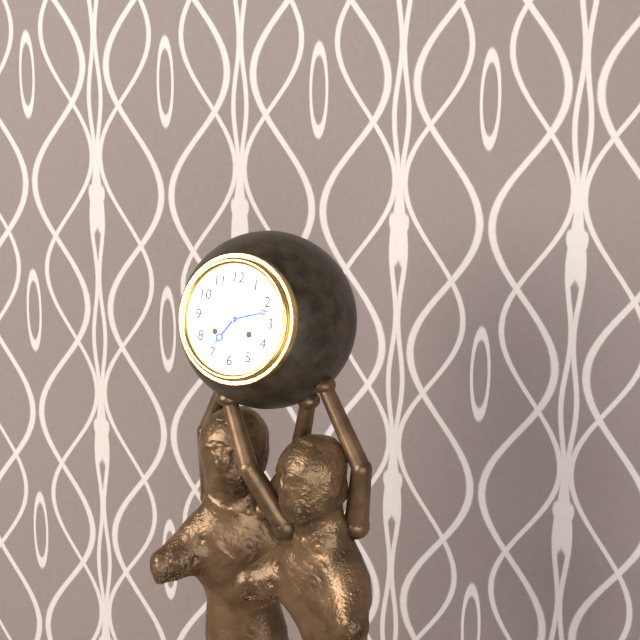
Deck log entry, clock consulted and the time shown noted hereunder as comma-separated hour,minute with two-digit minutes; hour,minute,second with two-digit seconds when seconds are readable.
7,12
